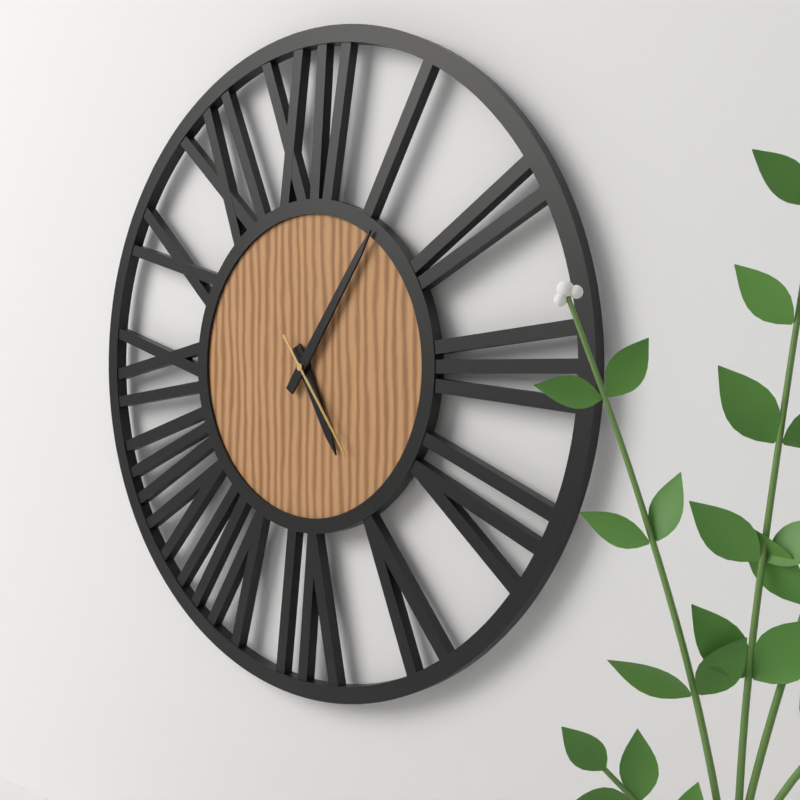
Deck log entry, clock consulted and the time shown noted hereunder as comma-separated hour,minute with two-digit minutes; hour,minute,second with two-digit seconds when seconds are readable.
5,06,24
